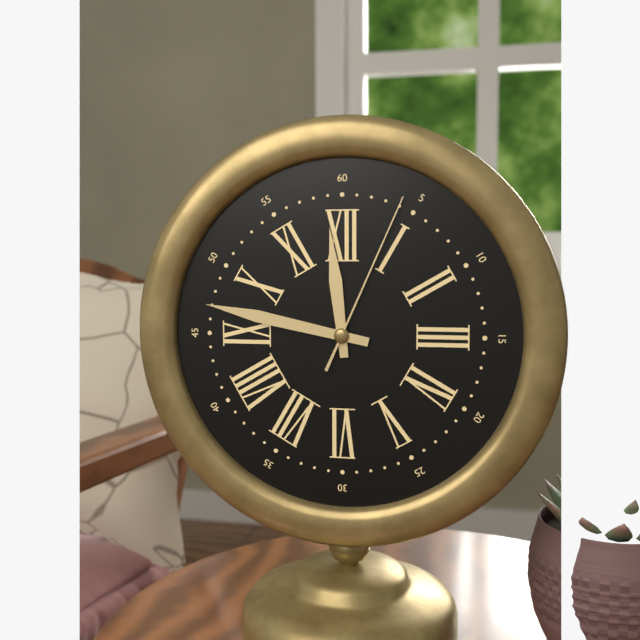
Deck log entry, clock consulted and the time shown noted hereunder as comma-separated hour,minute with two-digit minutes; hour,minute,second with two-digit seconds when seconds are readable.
11,47,04
